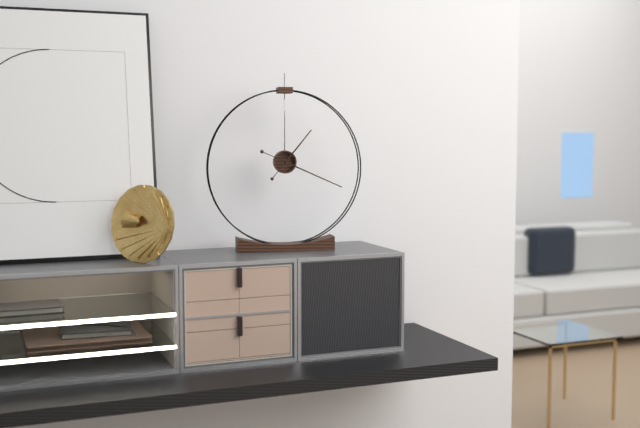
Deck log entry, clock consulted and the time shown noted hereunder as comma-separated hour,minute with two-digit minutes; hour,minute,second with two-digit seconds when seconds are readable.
1,19
